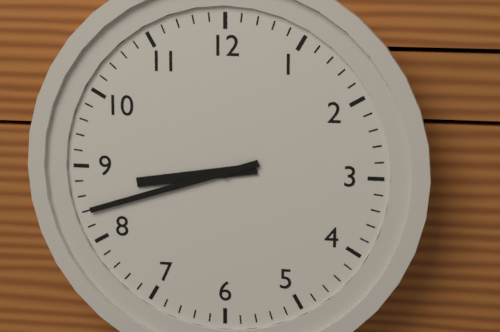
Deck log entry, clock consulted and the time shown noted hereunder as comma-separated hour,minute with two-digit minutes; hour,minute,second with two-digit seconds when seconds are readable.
8,42
